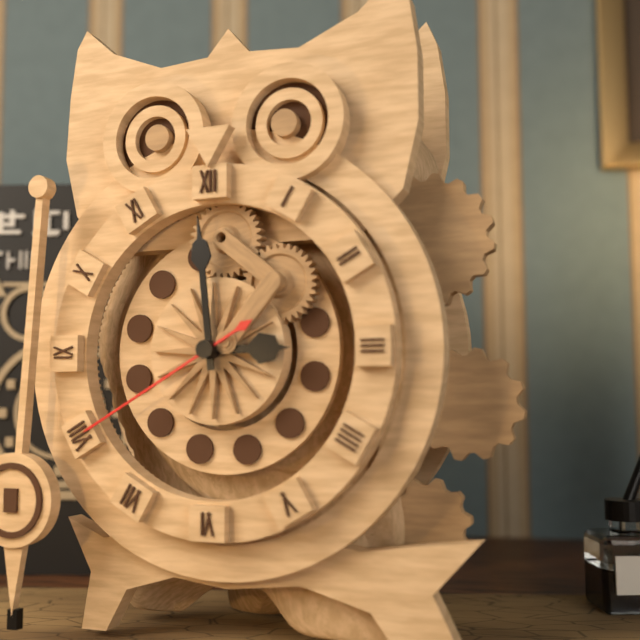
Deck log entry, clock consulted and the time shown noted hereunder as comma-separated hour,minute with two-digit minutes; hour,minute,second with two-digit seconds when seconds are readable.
2,59,40
